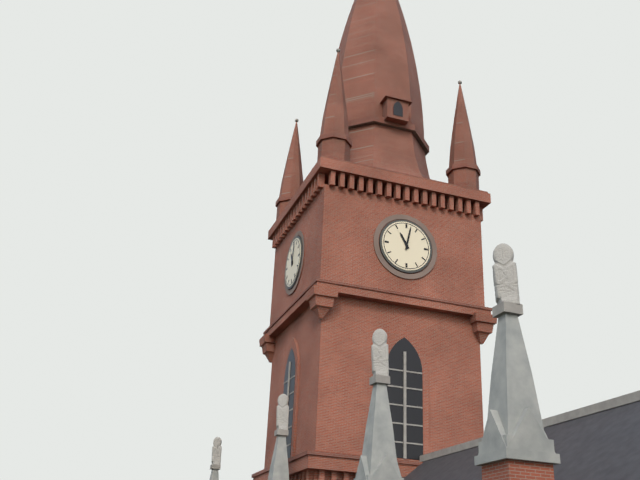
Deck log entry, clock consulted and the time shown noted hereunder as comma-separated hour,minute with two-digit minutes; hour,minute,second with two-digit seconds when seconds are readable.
11,02
